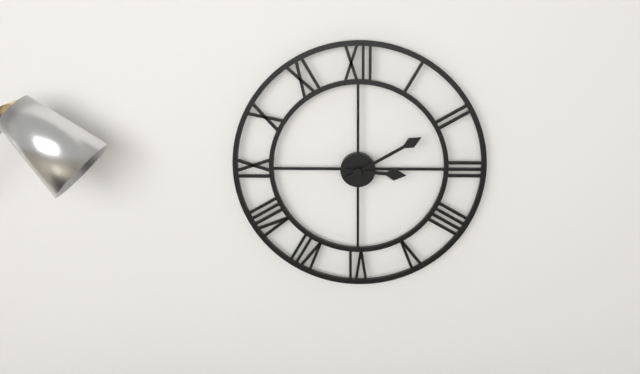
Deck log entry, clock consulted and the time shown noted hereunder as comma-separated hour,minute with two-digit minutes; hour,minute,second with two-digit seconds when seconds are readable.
3,10
